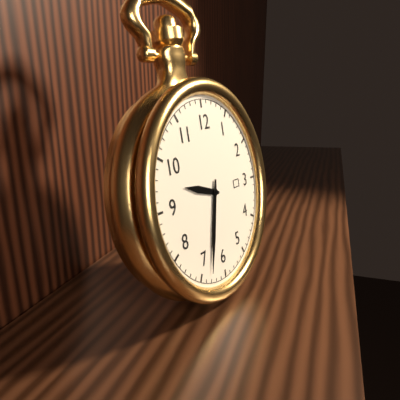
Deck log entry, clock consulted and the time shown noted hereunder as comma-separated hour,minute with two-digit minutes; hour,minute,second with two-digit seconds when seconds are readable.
9,33
